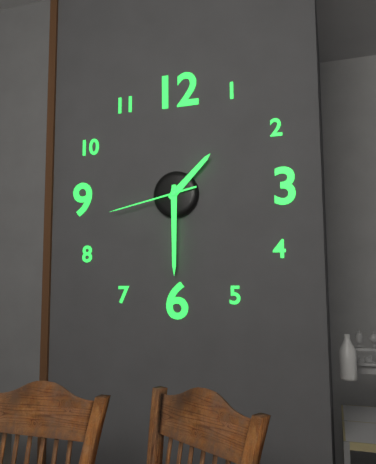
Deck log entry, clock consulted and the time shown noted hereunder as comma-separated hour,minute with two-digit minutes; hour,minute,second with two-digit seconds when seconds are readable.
1,30,43
